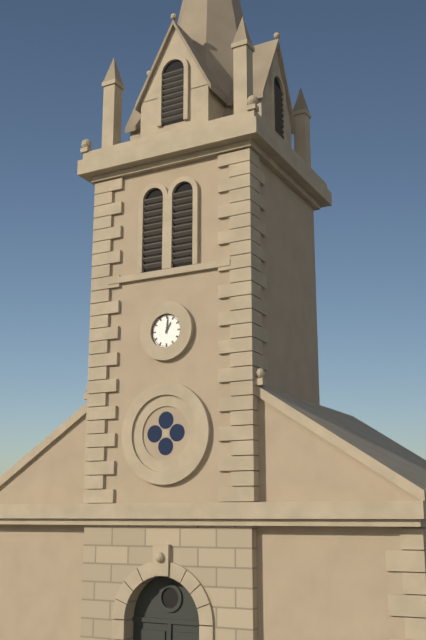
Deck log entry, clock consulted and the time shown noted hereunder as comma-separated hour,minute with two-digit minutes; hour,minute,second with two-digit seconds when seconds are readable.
1,01
